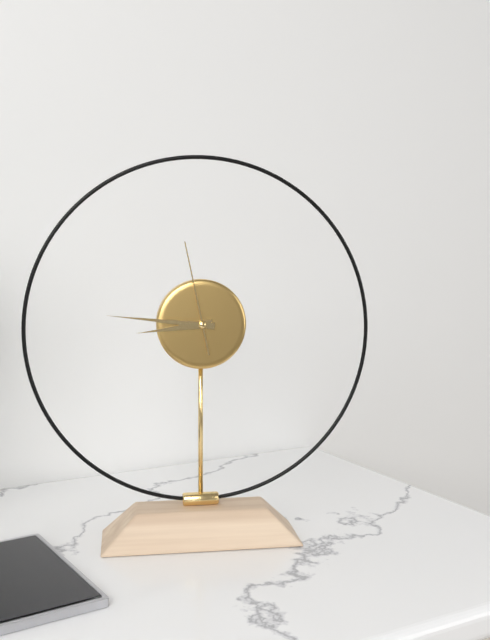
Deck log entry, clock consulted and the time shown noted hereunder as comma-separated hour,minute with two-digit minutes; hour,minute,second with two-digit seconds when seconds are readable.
8,46,58
